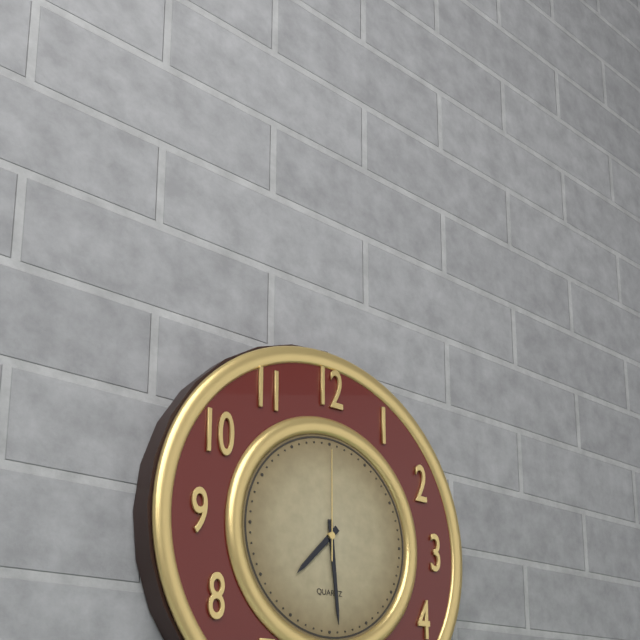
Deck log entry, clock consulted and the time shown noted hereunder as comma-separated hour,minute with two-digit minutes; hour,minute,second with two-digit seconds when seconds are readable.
7,29,00
